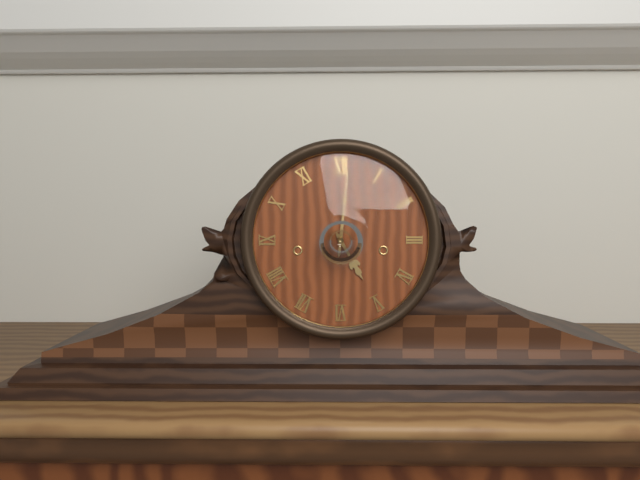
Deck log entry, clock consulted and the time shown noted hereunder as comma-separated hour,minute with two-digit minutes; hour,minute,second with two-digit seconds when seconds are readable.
5,01
